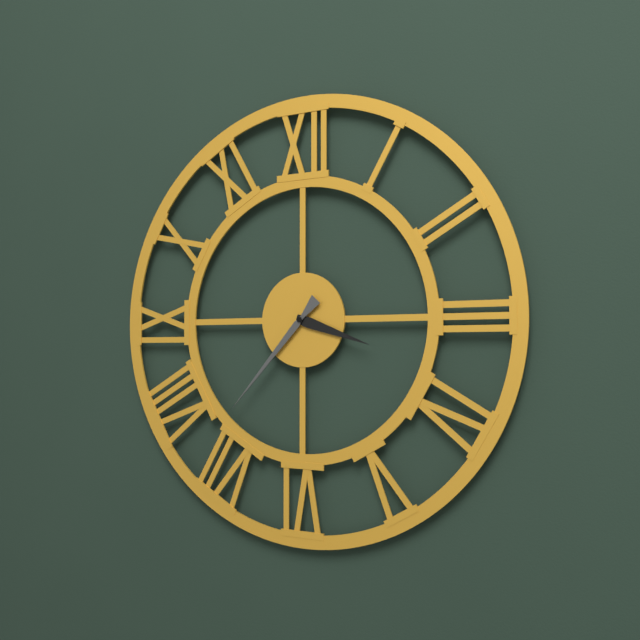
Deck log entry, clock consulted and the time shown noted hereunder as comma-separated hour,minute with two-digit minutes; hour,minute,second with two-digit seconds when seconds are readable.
3,37
